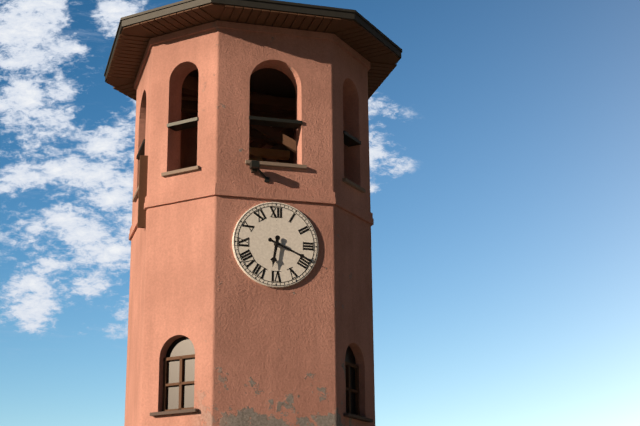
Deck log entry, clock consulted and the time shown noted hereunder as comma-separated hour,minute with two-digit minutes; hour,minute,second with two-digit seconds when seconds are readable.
6,19
